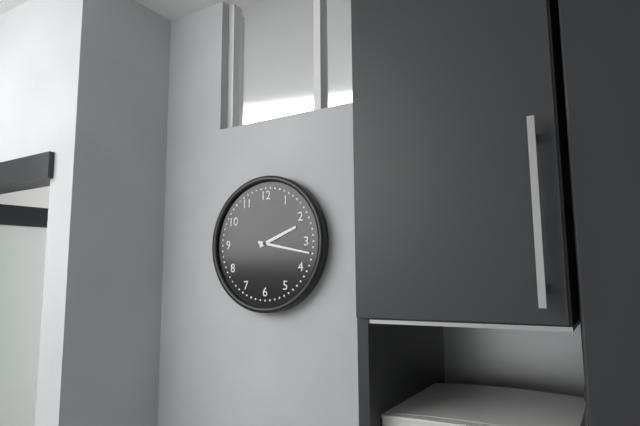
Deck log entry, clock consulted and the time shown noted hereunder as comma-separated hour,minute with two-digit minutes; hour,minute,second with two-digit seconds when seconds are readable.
2,17
